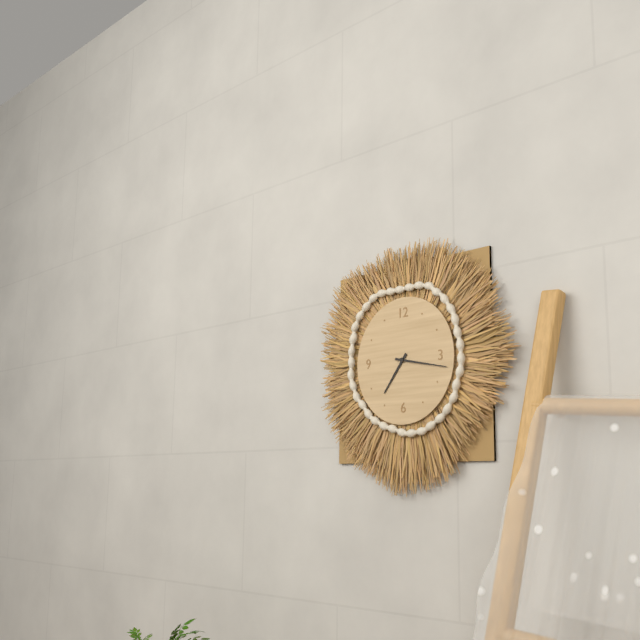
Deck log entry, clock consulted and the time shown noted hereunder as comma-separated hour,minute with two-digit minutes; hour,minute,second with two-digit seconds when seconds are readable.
7,17
